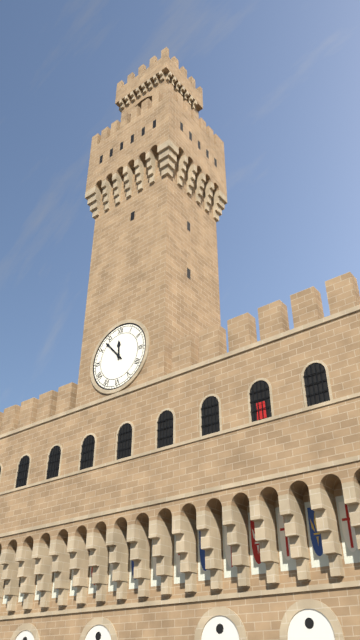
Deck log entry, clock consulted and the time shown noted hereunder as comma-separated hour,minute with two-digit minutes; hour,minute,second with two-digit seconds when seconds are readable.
11,53
